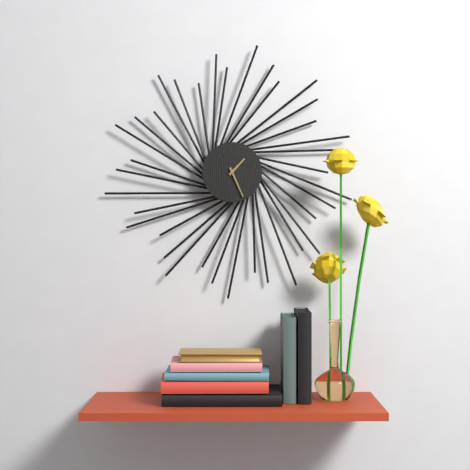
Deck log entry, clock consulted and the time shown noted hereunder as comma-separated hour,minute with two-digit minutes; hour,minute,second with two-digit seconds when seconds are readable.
1,26
